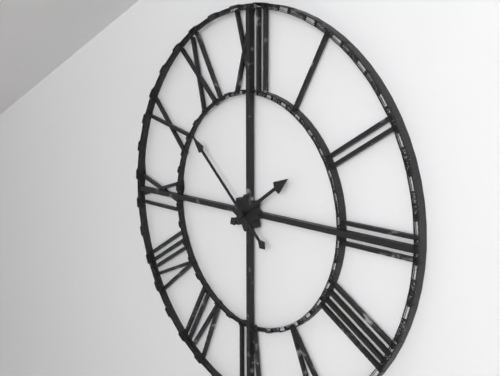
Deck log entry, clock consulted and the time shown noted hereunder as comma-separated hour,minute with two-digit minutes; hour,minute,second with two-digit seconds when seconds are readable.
1,52
